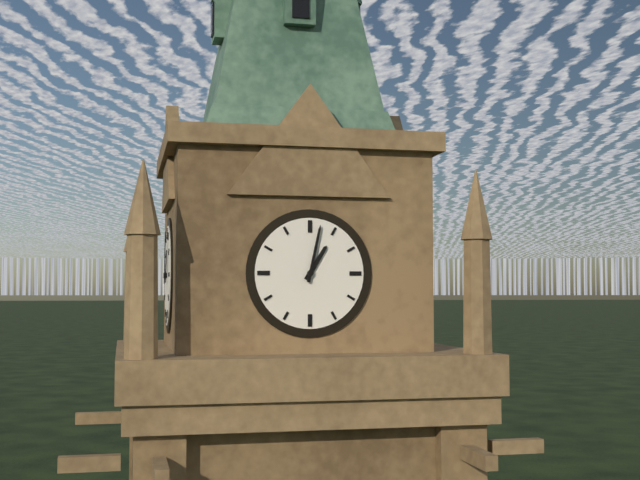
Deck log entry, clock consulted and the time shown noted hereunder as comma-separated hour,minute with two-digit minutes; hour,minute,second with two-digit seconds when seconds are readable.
1,02
